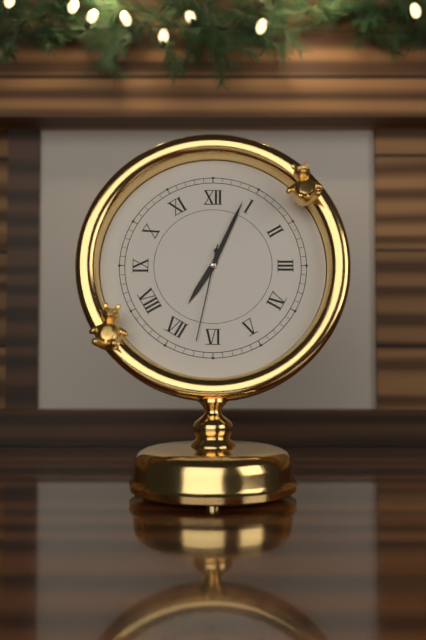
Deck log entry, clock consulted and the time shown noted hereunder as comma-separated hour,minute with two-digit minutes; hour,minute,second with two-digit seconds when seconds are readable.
7,04,32
